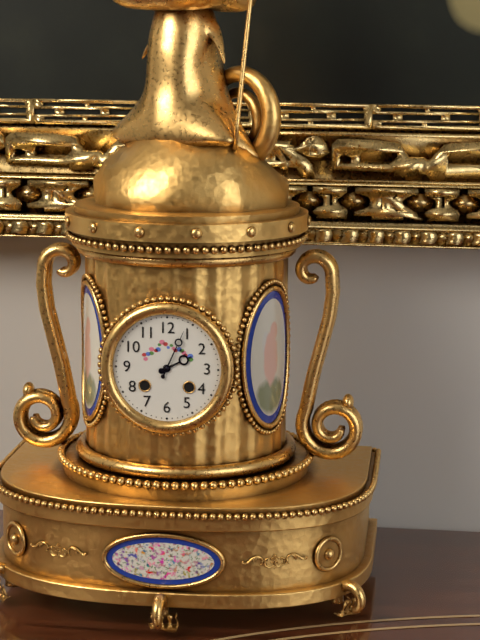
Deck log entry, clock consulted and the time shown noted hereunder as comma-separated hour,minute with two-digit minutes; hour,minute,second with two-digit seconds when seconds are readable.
2,04
